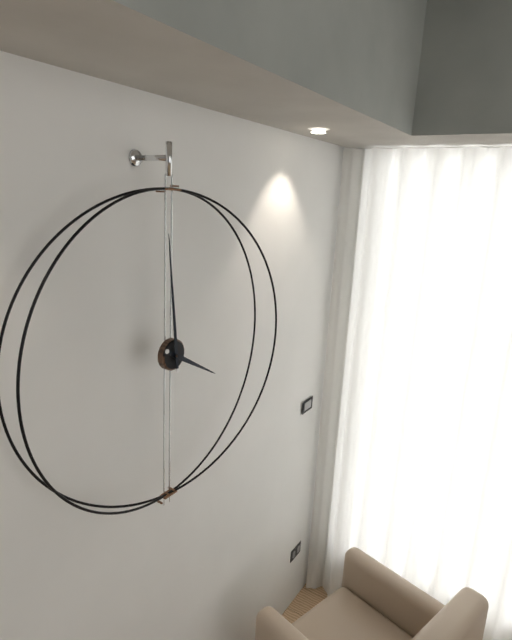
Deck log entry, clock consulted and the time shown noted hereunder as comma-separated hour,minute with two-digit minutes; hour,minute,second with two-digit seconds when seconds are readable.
3,59
